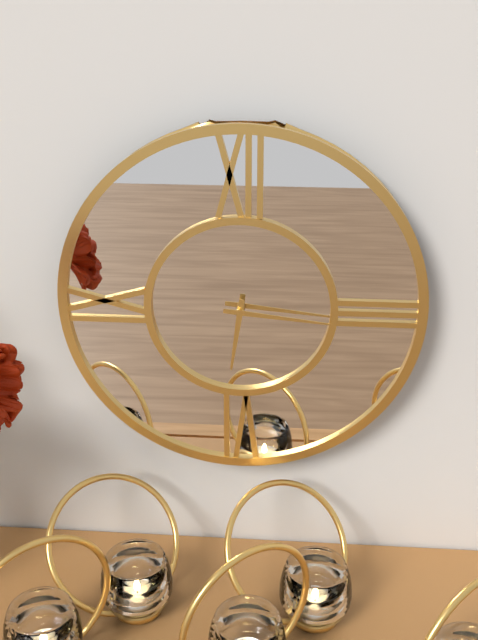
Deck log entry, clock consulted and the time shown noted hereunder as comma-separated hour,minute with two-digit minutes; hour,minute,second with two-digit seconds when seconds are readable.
6,16
